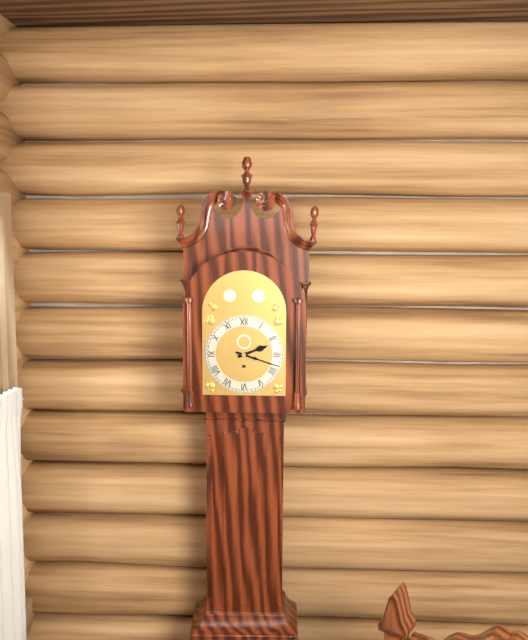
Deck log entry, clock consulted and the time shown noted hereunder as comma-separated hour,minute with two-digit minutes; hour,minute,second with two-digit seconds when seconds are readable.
2,18
